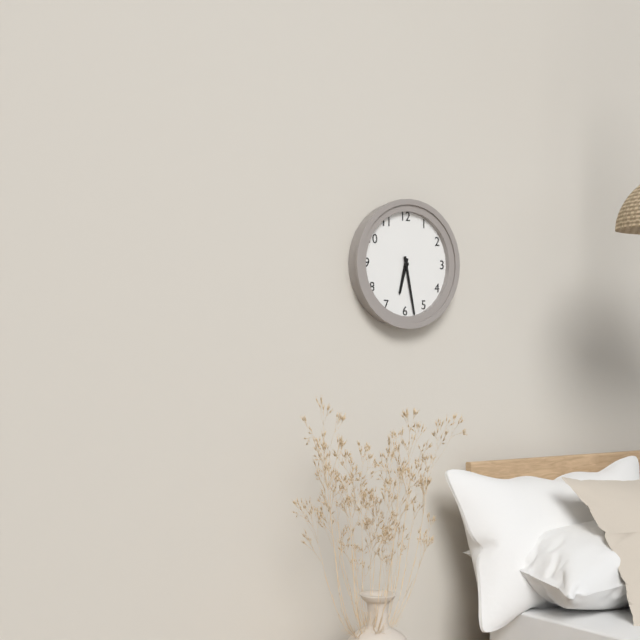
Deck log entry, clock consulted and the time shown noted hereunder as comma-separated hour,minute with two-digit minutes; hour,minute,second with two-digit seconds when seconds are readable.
6,28
